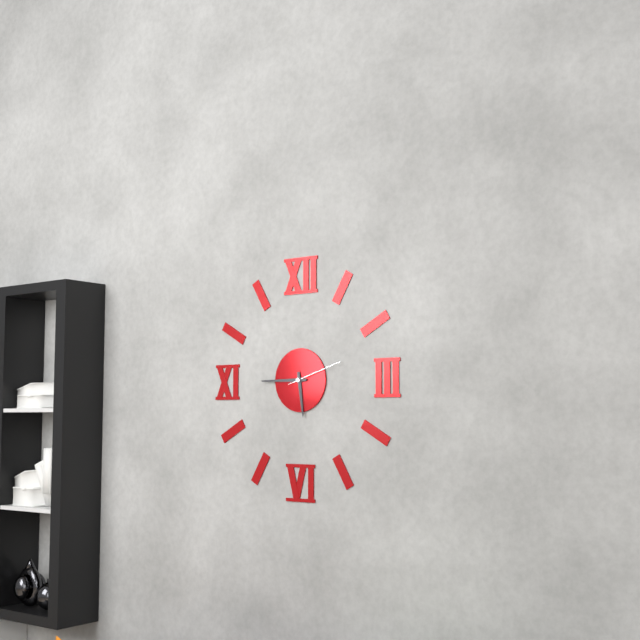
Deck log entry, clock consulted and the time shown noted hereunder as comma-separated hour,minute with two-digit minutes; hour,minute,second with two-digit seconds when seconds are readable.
5,45,12
